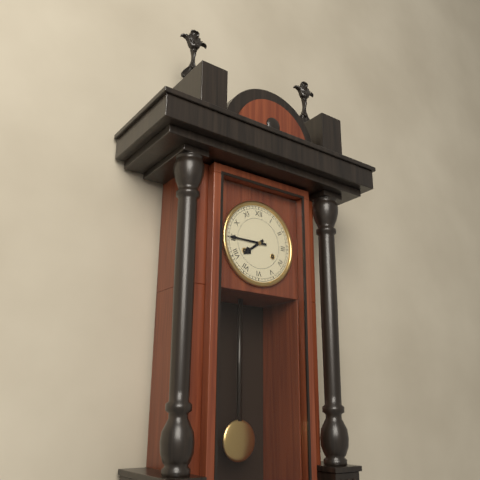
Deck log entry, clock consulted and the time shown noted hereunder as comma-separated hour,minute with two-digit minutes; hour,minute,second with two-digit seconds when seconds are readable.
7,45
